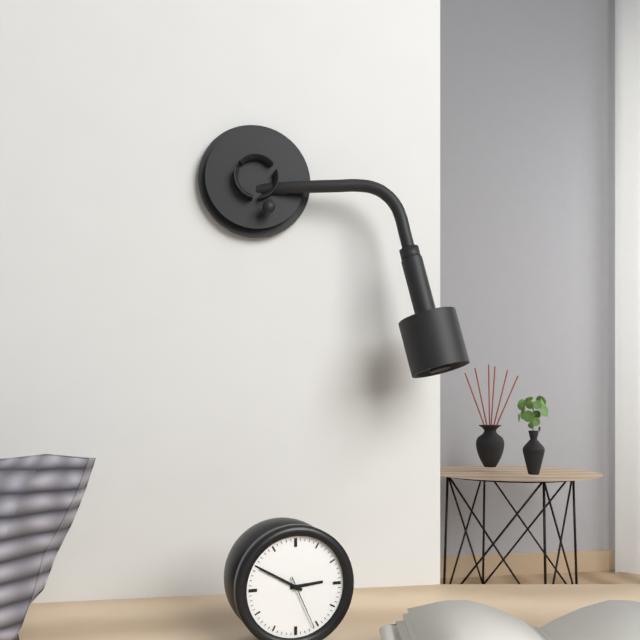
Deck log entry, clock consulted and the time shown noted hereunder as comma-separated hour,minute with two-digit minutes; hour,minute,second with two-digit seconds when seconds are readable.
2,50,26
